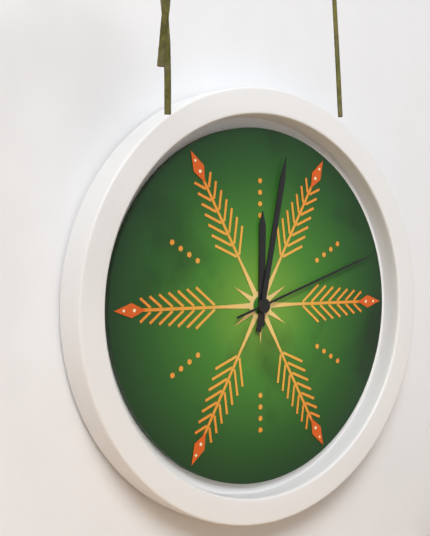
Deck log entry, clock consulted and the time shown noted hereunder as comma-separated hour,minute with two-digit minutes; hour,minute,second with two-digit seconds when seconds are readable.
12,02,12
